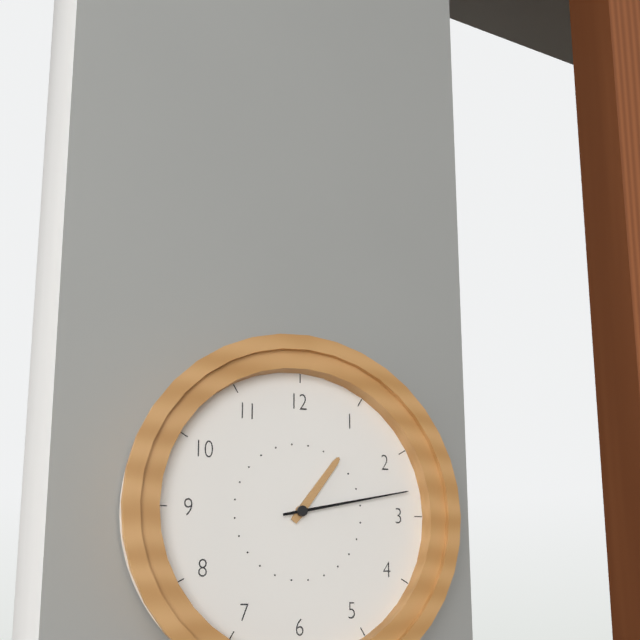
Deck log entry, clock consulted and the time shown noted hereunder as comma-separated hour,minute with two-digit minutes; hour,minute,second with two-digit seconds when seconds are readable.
1,13
